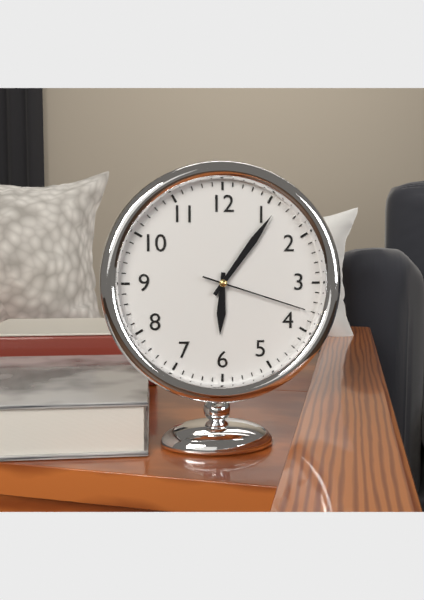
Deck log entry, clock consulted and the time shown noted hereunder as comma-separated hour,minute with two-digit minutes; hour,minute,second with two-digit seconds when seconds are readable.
6,06,18
